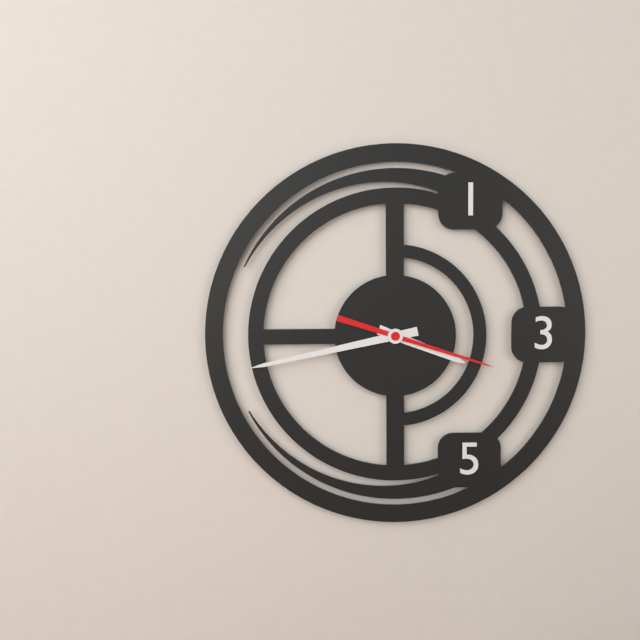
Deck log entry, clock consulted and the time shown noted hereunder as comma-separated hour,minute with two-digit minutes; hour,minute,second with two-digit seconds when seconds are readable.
3,43,18
